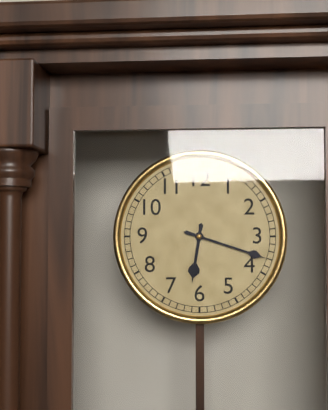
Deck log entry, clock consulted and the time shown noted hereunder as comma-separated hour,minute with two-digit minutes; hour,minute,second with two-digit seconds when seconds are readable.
6,18
